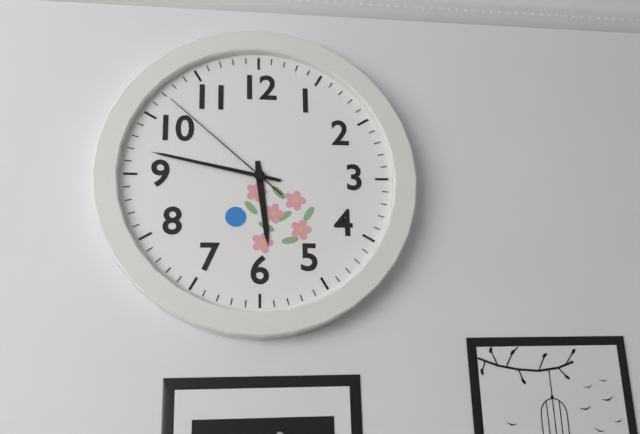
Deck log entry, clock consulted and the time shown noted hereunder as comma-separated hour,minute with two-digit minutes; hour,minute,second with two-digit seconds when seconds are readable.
5,47,52
